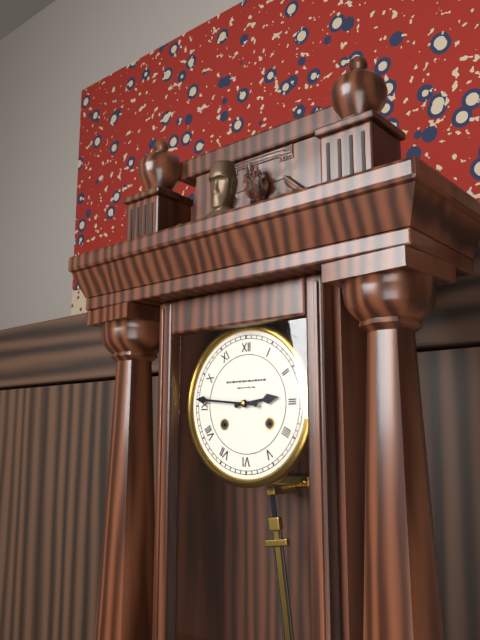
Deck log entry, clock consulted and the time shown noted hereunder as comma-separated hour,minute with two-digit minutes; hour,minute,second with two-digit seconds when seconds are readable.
2,46
